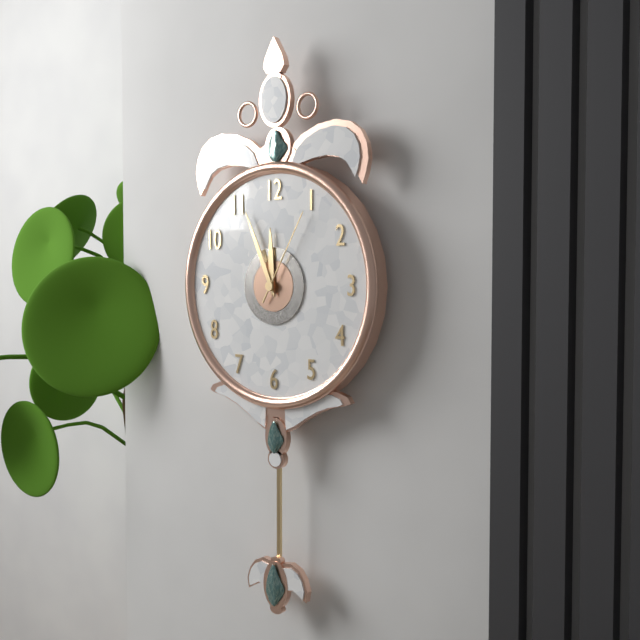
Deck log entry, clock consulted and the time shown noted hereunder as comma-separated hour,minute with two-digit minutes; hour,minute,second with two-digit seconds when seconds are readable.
11,56,05
